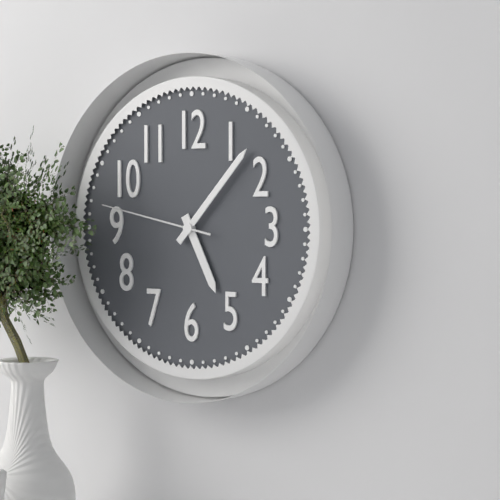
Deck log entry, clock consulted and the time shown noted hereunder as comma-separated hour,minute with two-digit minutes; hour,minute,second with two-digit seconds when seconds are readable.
5,07,47
